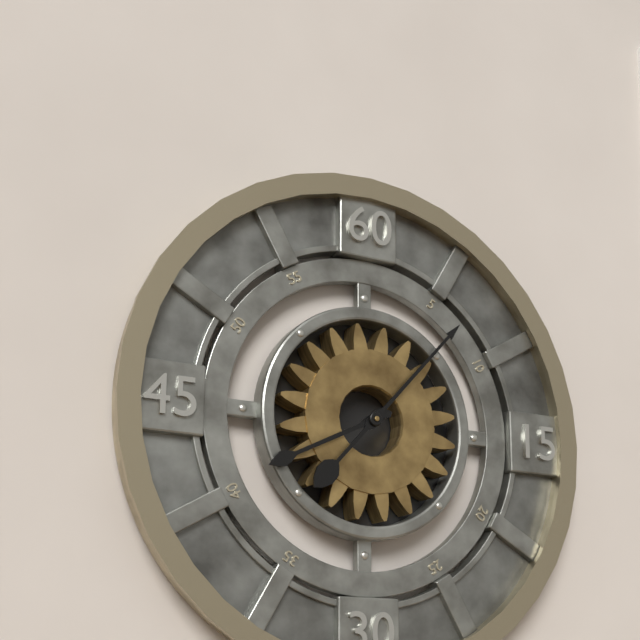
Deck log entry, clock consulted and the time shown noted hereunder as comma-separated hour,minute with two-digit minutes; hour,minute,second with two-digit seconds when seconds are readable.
8,07
